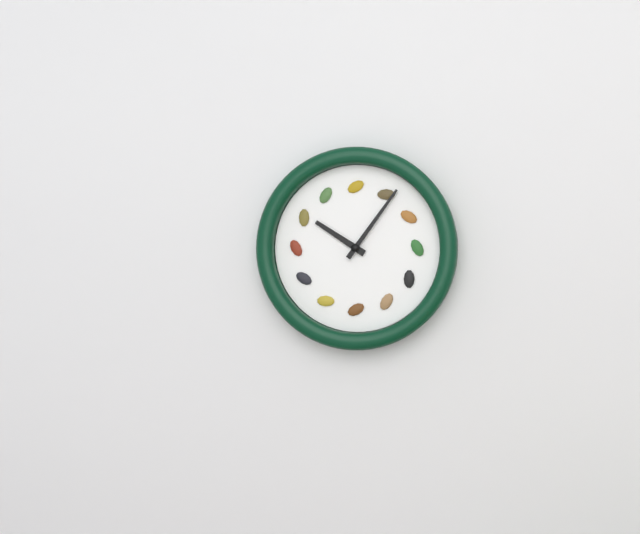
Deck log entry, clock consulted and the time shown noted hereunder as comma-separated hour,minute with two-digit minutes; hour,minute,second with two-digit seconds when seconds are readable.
10,06
